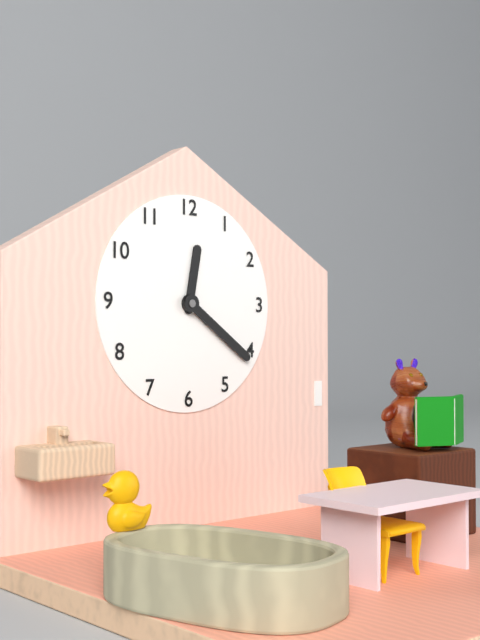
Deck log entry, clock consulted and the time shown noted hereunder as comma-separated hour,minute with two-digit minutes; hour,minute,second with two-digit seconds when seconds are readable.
12,21
